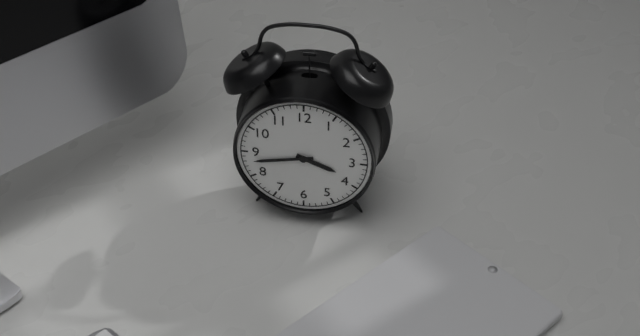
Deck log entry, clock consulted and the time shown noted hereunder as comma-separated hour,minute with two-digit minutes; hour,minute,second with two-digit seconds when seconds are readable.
3,43
